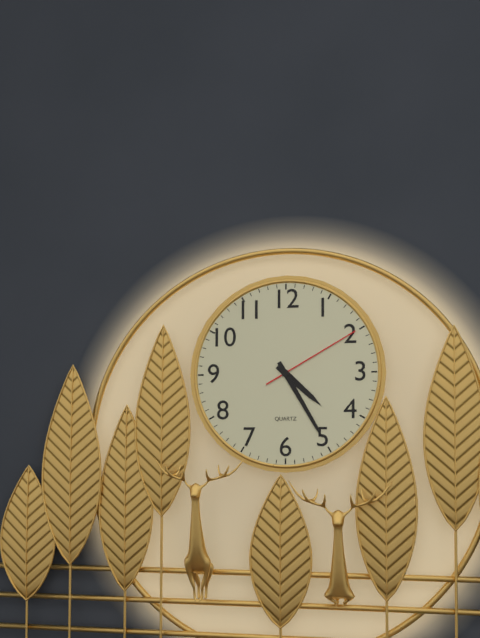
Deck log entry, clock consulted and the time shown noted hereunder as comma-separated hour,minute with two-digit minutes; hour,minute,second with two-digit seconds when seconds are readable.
4,25,10
